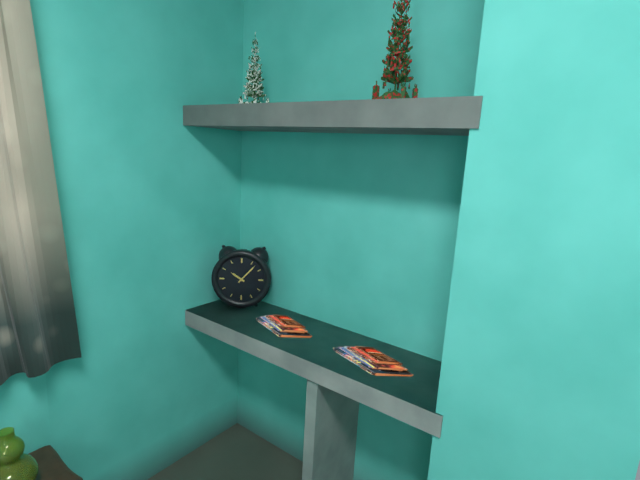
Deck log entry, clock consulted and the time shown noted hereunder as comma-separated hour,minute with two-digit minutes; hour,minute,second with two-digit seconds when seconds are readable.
10,07
